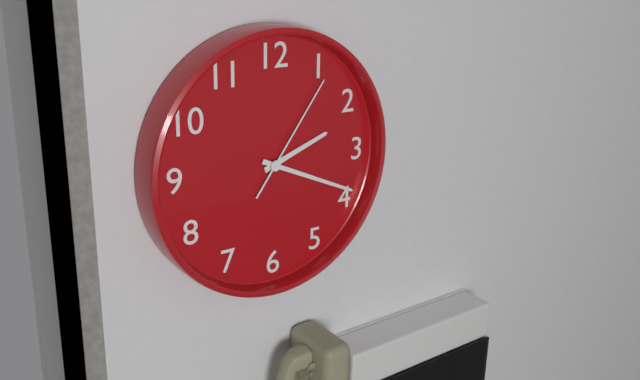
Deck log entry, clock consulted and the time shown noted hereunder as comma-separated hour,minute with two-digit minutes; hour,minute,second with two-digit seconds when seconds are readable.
2,19,06
